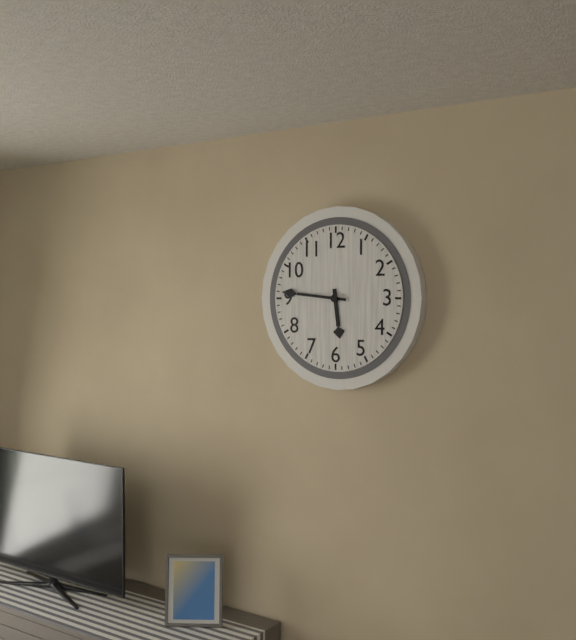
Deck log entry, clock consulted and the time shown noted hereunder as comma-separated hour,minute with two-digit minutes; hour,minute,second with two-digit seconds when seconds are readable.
5,46
